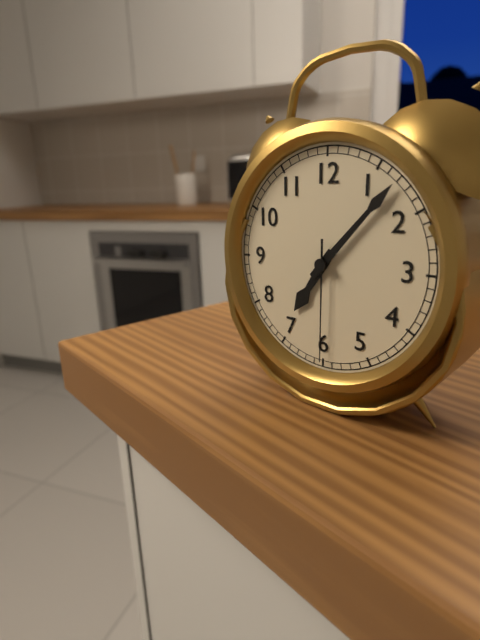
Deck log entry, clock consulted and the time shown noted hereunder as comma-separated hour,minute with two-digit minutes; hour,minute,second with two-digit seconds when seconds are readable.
7,07,30
